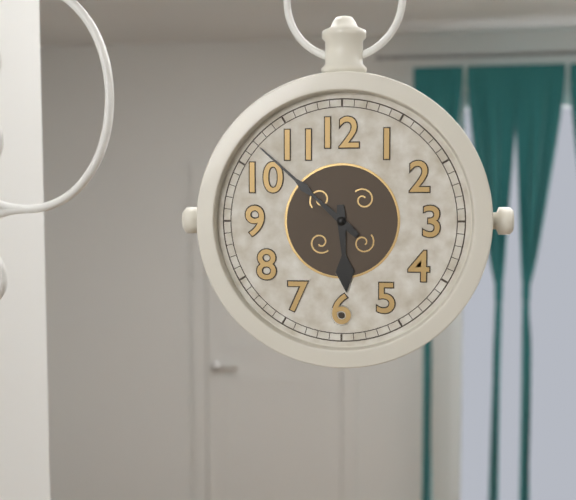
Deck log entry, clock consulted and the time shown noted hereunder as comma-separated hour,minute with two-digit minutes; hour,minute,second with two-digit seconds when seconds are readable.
5,52
